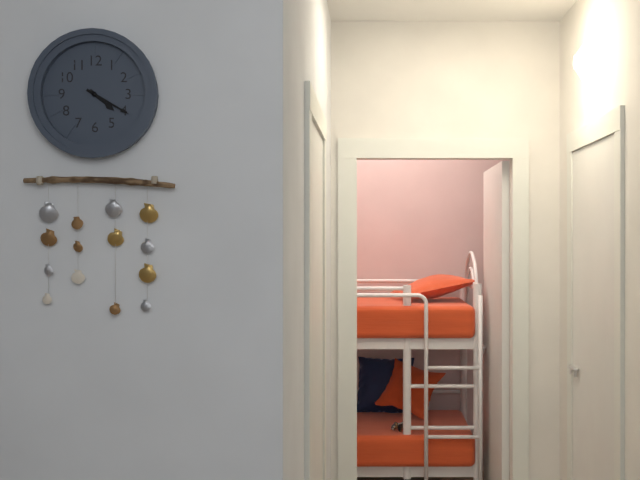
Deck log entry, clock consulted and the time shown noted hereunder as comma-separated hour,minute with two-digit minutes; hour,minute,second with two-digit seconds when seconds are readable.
4,20
